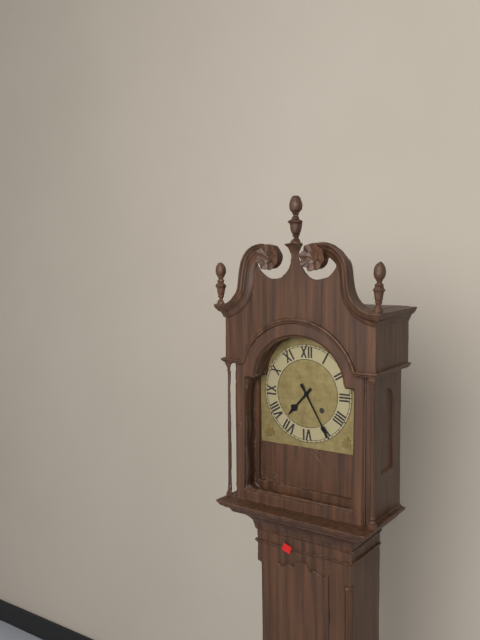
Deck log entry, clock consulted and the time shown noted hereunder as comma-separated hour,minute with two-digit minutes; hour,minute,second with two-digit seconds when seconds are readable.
7,25
